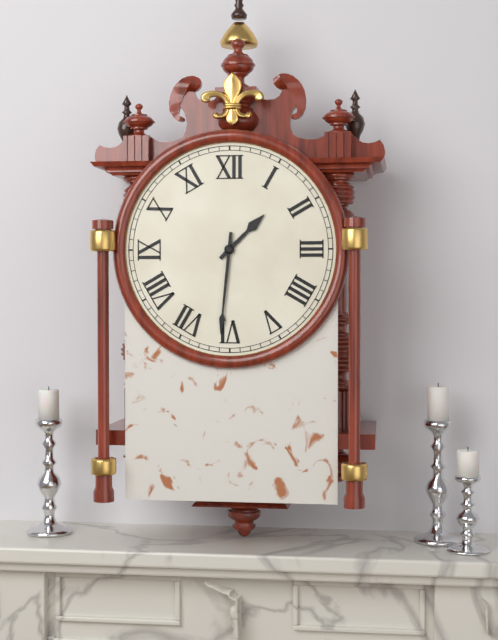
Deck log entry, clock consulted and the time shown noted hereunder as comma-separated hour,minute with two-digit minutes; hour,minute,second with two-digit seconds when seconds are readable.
1,31
